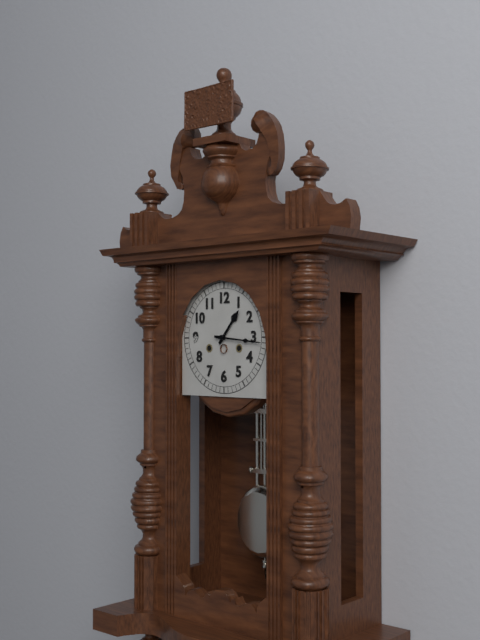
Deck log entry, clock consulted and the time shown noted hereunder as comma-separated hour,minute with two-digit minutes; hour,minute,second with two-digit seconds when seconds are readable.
1,16
